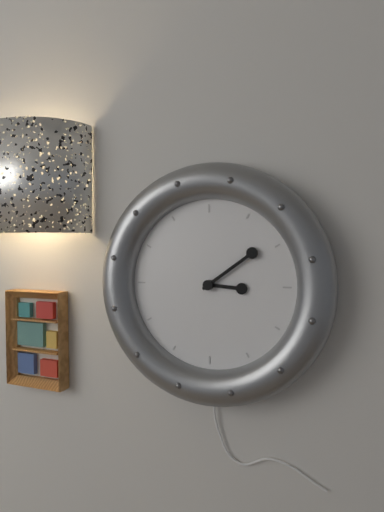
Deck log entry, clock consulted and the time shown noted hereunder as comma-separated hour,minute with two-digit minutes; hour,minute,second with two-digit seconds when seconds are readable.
3,09
